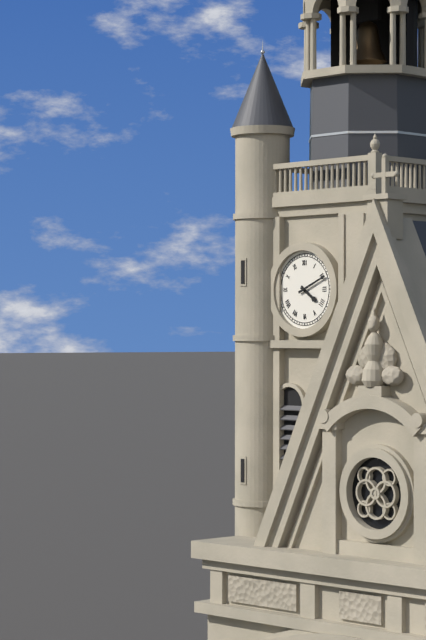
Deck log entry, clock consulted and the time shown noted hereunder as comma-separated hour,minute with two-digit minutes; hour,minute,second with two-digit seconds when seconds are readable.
4,11
